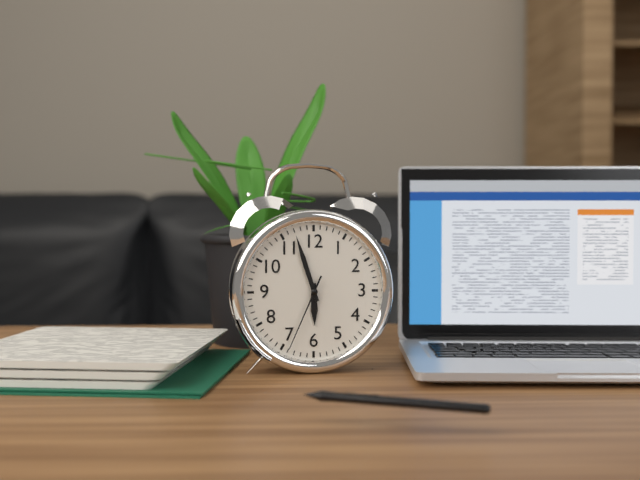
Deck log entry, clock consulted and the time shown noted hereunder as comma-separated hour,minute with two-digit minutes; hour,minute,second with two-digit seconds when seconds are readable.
5,57,34
